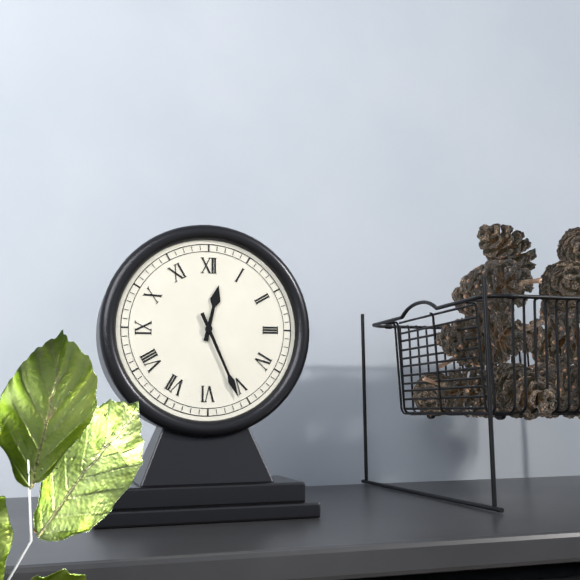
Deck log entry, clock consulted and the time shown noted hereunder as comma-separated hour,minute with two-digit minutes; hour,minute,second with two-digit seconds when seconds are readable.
12,26
